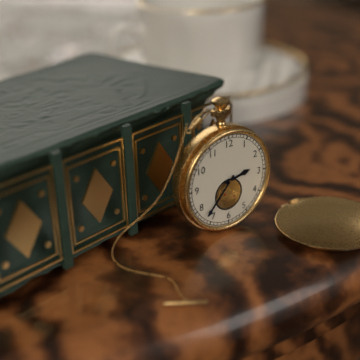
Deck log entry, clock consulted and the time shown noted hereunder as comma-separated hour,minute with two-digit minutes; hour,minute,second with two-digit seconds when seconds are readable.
2,37
